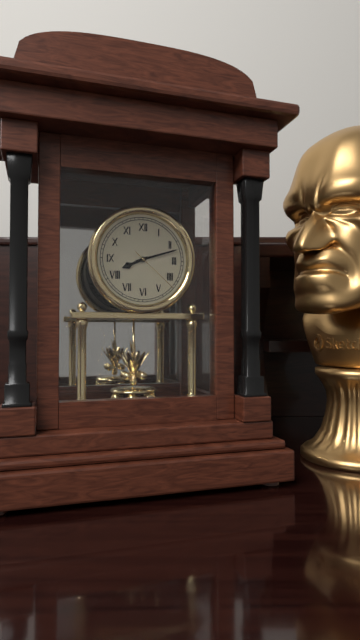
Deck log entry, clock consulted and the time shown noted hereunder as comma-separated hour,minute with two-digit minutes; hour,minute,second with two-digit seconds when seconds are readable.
8,12,22
